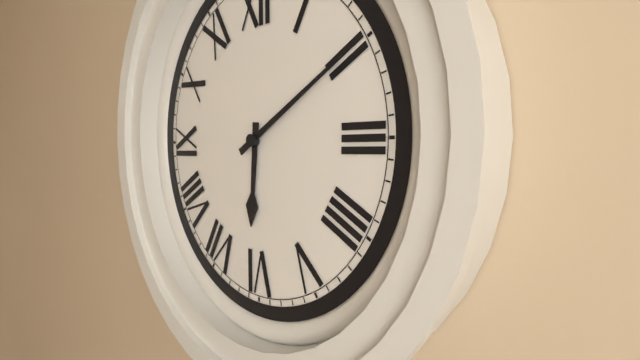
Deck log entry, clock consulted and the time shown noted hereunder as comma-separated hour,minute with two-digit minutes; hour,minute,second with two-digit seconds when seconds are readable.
6,10
